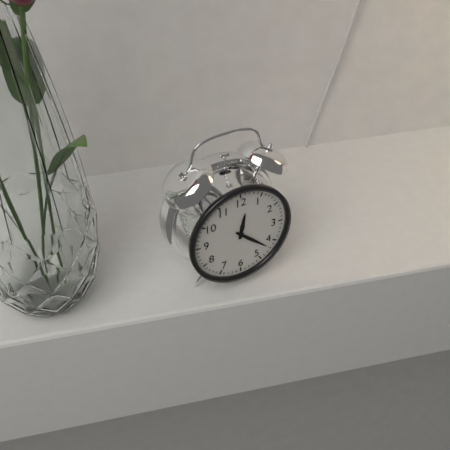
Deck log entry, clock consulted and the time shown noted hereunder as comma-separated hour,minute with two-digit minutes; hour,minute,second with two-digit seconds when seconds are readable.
12,22
